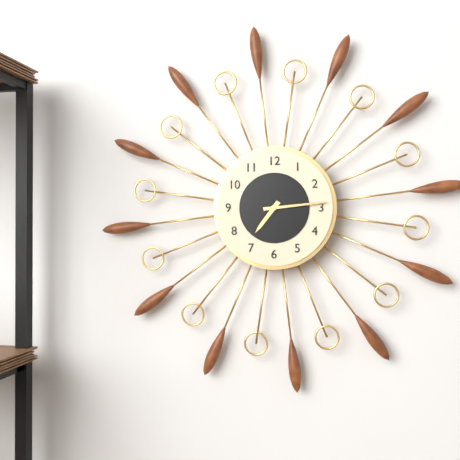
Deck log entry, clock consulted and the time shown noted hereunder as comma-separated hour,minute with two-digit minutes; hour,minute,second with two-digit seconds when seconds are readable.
7,14
